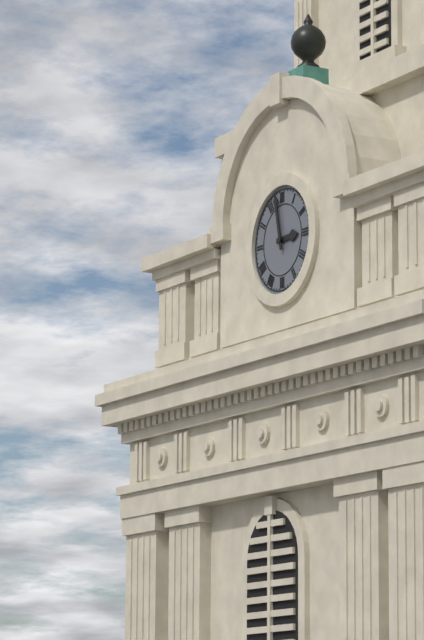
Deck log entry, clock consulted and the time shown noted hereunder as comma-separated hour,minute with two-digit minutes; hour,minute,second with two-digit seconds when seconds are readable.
2,58
